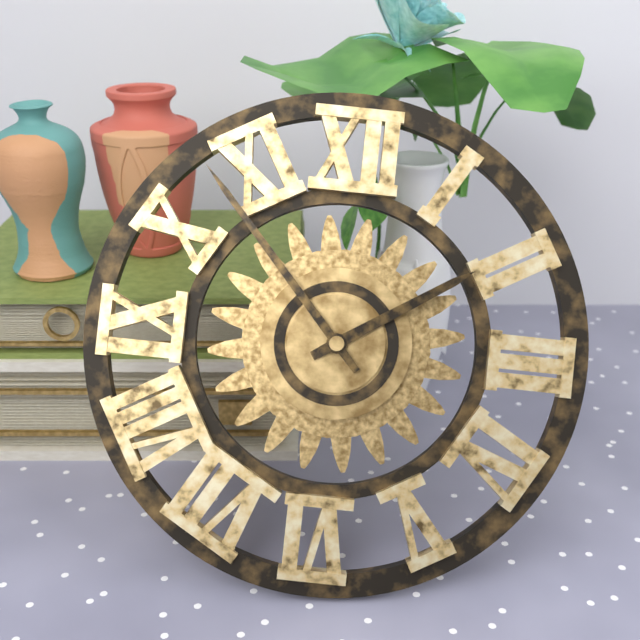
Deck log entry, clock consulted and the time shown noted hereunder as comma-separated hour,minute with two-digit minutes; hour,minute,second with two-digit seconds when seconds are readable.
1,53
